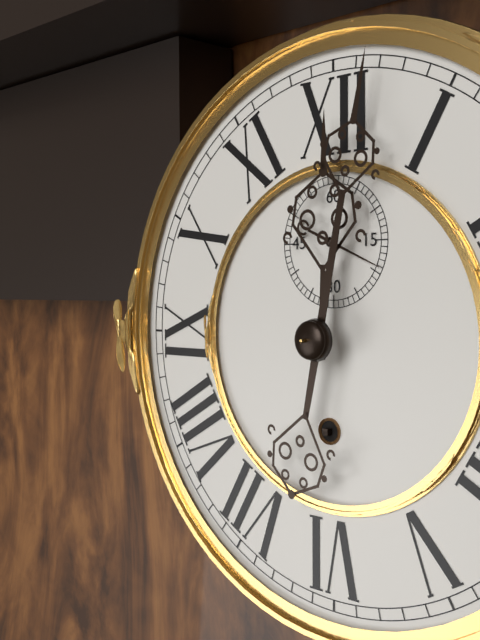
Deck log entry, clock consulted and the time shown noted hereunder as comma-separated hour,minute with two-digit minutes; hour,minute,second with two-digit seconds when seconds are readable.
12,02,19
